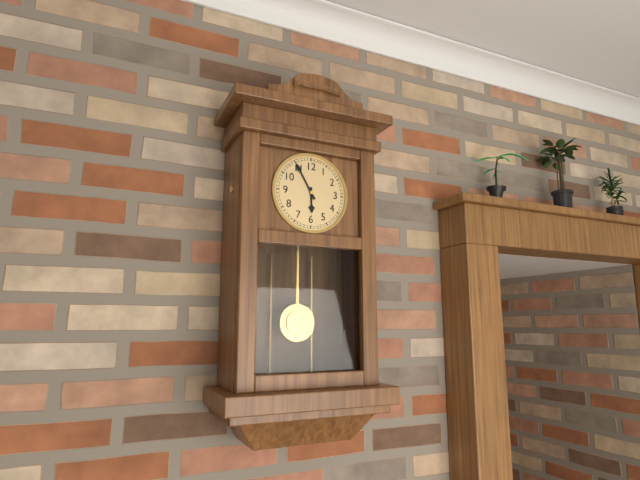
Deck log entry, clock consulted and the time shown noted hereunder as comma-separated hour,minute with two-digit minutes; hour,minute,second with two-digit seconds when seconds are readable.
5,55
